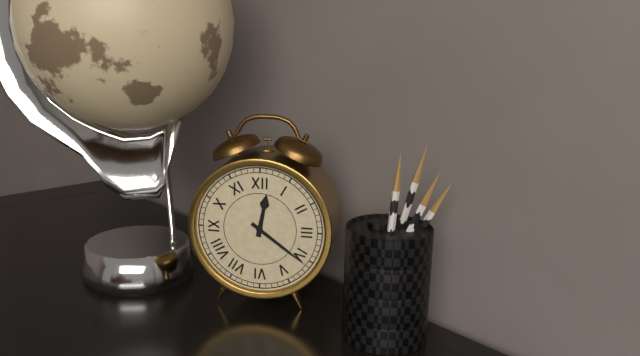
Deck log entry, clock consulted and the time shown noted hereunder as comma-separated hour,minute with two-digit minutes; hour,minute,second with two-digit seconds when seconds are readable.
12,21
